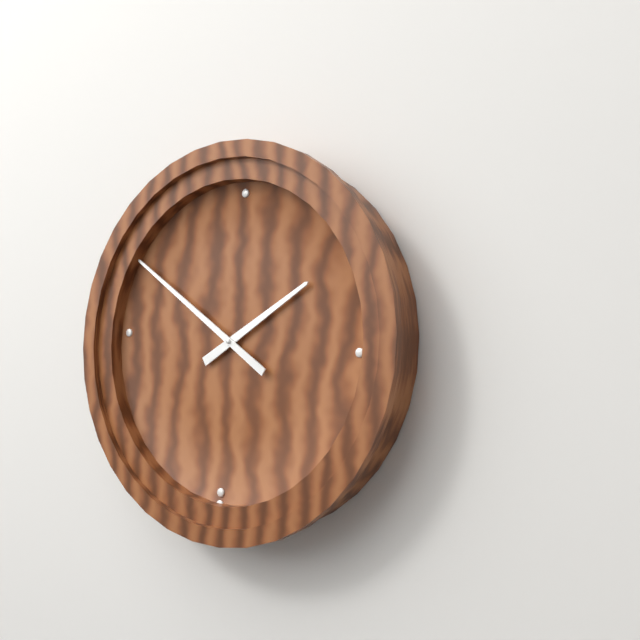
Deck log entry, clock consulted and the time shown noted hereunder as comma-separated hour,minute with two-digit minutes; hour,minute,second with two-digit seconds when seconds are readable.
1,50
